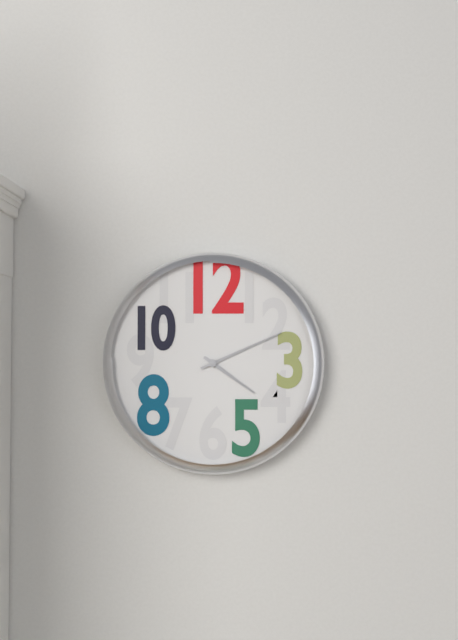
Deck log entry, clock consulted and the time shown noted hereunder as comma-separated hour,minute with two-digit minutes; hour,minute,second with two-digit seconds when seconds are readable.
4,11
